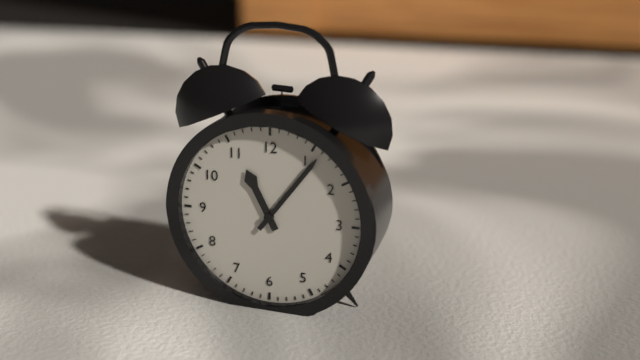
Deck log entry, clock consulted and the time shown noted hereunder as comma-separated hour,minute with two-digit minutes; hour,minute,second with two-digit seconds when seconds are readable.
11,06
